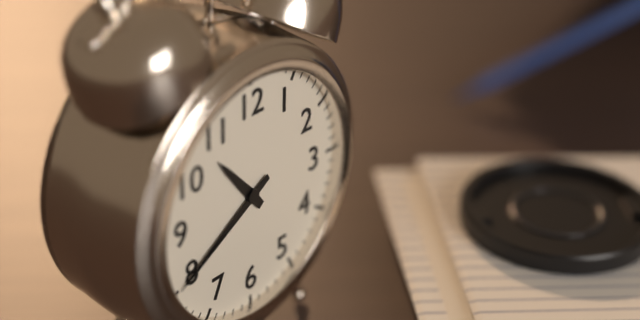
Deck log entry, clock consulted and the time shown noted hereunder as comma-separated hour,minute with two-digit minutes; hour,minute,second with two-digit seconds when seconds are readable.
10,40
